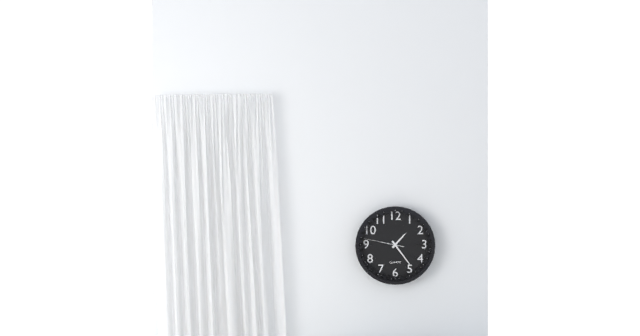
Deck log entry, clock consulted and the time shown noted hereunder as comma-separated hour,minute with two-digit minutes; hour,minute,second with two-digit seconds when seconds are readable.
1,24
